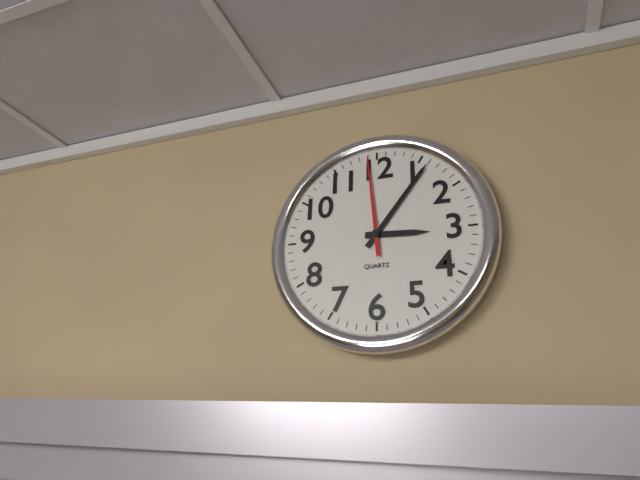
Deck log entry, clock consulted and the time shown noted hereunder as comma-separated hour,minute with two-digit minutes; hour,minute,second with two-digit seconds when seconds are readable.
3,06,59
